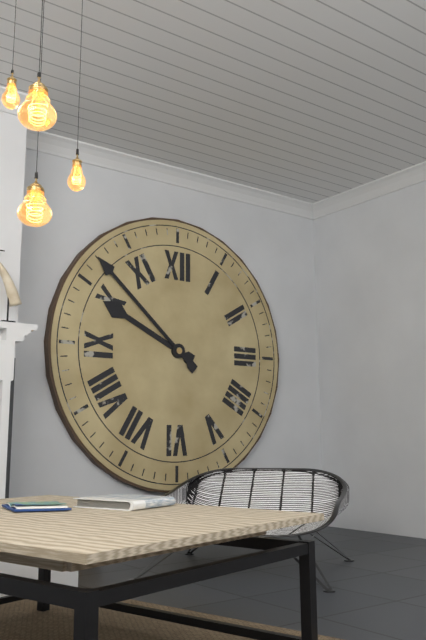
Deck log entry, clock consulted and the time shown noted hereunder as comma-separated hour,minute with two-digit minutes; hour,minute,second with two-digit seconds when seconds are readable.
9,52
